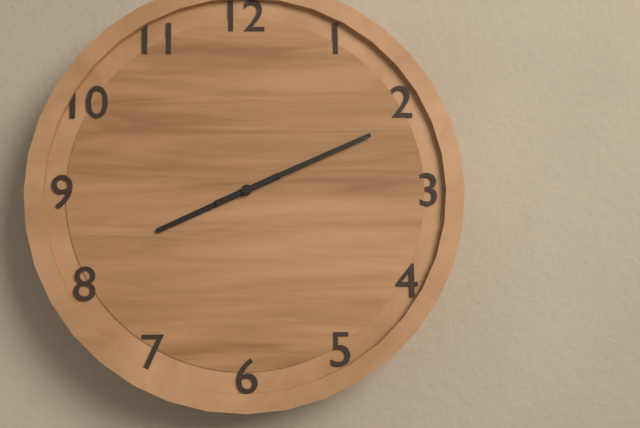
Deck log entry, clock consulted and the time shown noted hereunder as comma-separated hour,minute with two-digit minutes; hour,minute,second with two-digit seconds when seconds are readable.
8,11
